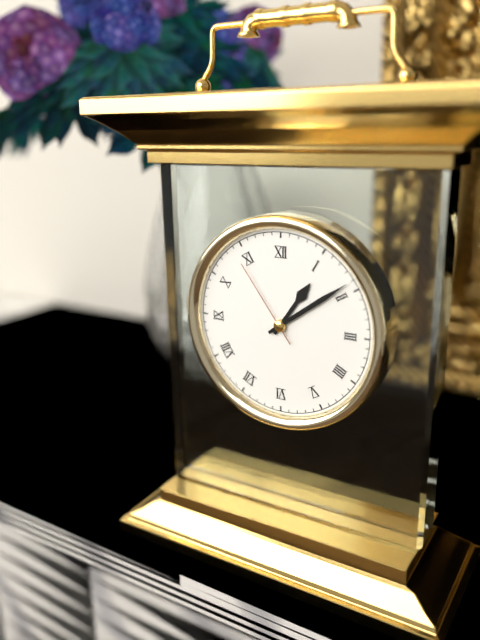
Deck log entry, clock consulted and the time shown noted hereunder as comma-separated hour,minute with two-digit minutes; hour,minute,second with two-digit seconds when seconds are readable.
1,09,54
